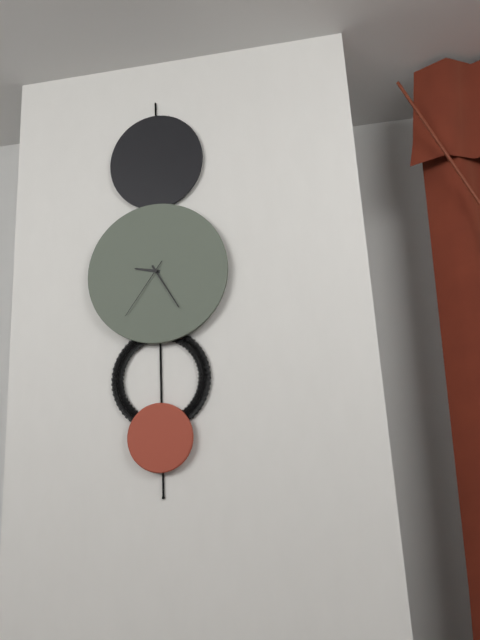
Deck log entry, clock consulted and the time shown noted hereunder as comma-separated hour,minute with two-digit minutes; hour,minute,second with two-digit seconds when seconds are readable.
9,25,36
